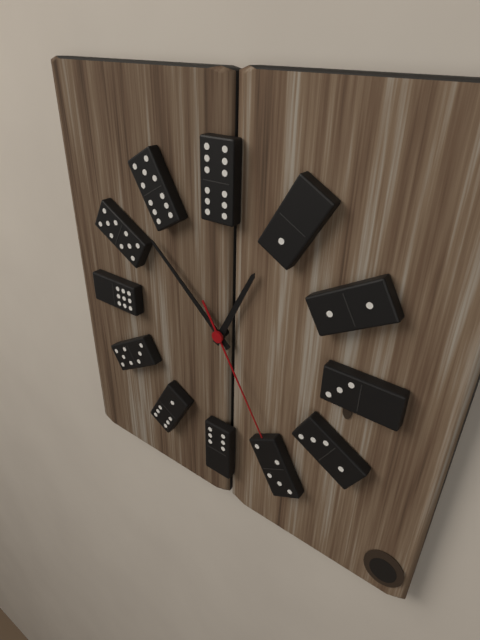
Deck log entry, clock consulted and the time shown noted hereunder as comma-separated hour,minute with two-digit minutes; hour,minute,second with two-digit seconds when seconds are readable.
12,52,25
